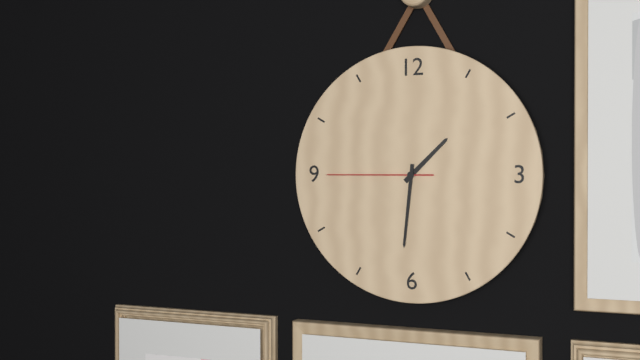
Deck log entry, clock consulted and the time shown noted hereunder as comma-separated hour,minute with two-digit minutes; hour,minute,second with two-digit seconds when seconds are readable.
1,31,45
